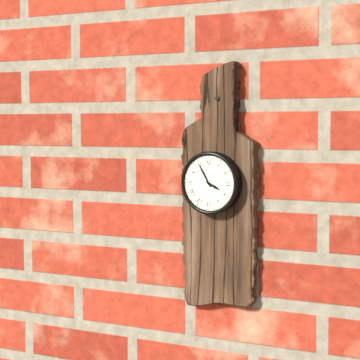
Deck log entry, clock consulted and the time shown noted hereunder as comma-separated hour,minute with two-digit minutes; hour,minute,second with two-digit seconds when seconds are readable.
3,55
